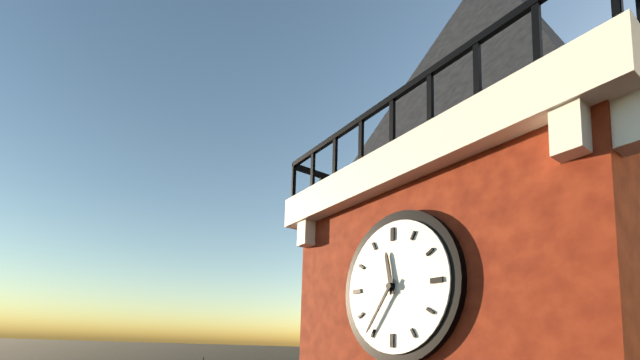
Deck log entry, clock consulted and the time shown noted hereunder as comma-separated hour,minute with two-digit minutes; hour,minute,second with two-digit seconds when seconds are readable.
11,36
